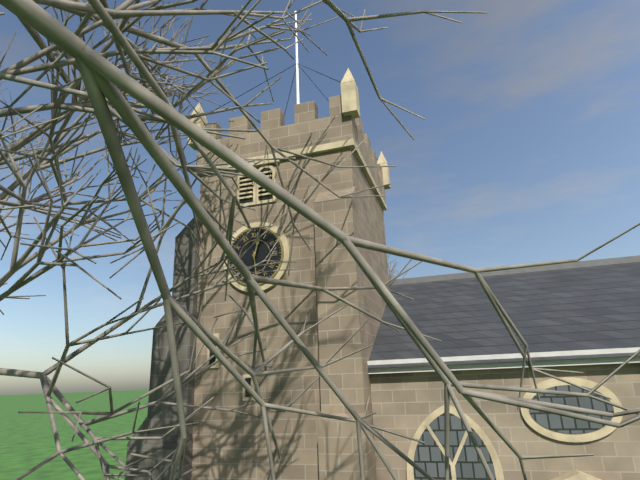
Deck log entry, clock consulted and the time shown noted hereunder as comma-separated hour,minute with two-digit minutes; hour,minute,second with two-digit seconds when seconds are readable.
12,29
